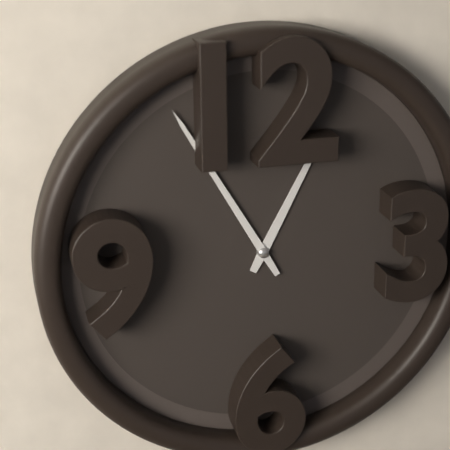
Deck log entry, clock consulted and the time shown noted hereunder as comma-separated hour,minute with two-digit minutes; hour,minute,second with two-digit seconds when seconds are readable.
12,55
